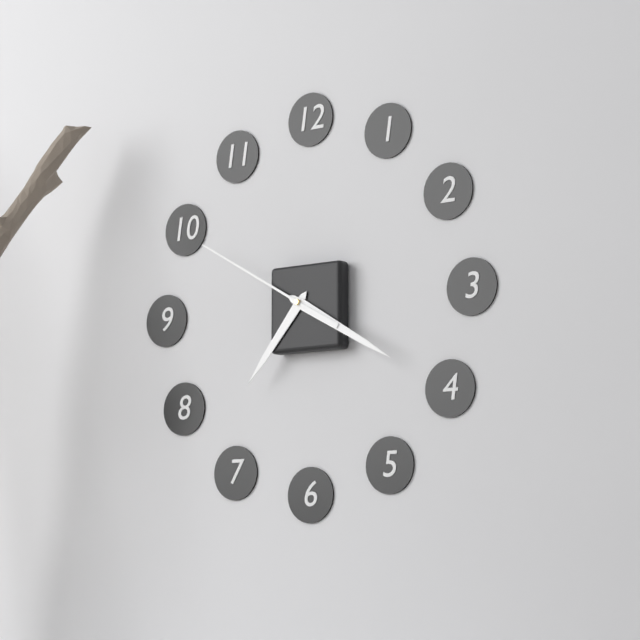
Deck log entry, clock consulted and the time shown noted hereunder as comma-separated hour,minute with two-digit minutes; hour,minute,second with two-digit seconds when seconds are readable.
7,20,50
